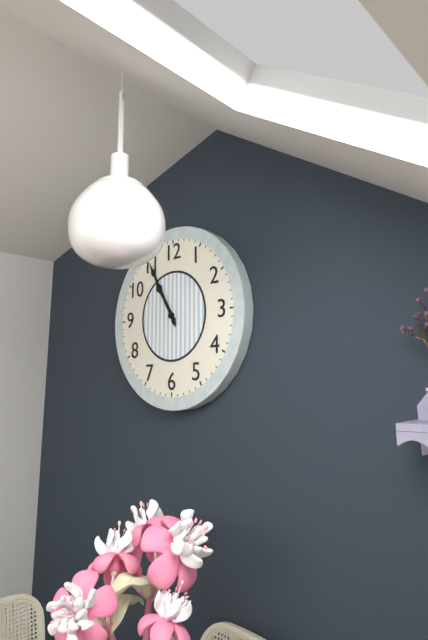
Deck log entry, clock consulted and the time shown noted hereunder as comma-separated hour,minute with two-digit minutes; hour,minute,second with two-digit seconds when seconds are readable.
10,55
